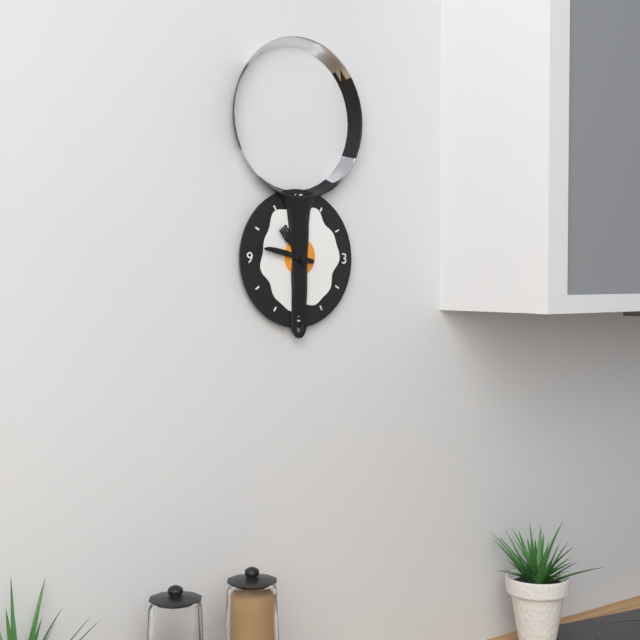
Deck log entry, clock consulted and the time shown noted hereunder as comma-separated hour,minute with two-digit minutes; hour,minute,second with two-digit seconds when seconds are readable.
10,47
